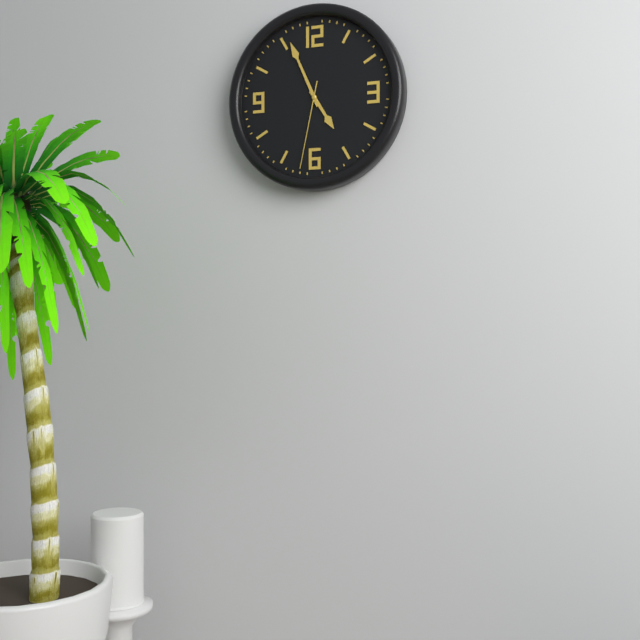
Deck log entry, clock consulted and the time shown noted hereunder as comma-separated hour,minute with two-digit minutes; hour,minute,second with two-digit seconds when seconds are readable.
4,56,32
